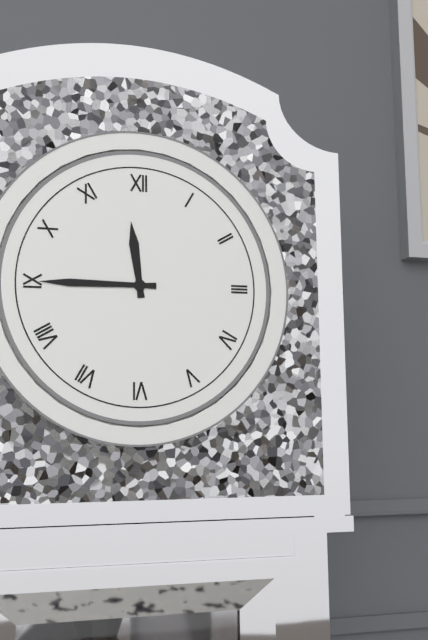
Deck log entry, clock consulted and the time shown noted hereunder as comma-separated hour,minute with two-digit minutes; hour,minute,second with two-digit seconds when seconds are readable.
11,45
